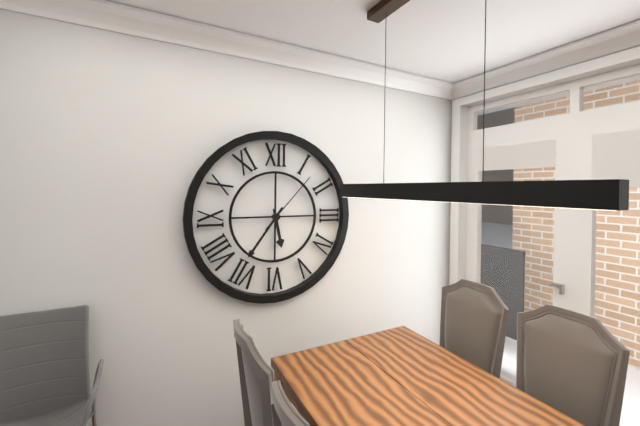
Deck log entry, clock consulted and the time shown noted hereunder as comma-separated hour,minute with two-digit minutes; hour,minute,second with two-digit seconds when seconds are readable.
5,36,07
